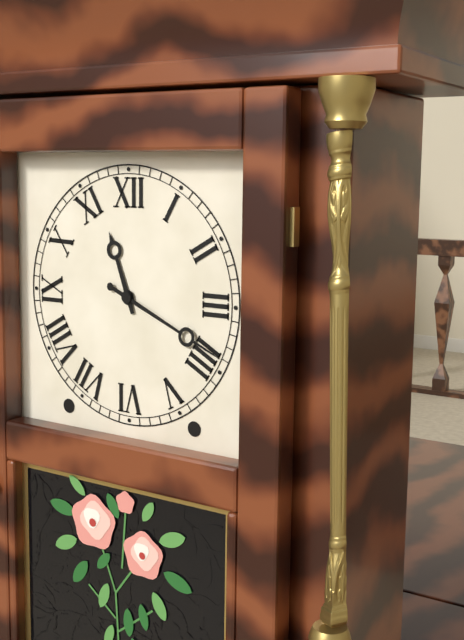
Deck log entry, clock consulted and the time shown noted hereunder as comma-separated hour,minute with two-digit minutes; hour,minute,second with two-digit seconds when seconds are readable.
11,19
